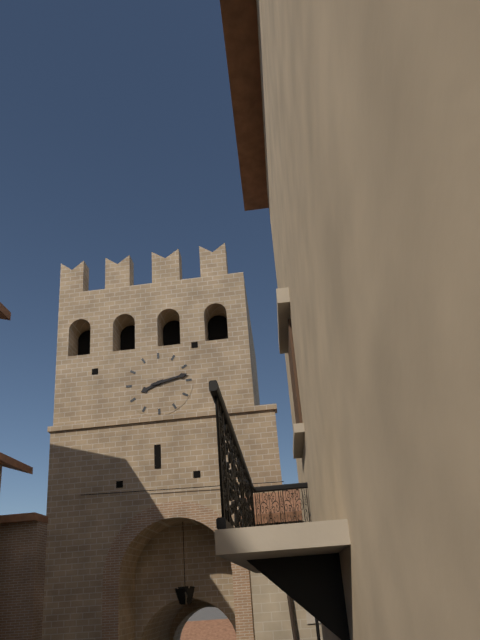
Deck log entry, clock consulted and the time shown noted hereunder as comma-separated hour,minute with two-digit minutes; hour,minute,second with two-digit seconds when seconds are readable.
8,13
